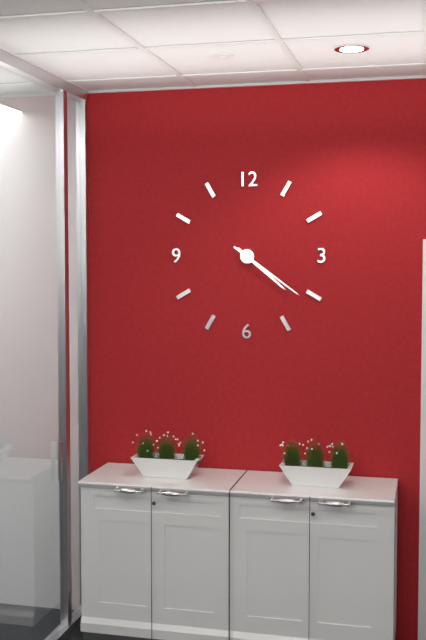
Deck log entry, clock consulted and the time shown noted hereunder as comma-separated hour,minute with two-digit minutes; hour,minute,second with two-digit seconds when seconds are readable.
4,21
